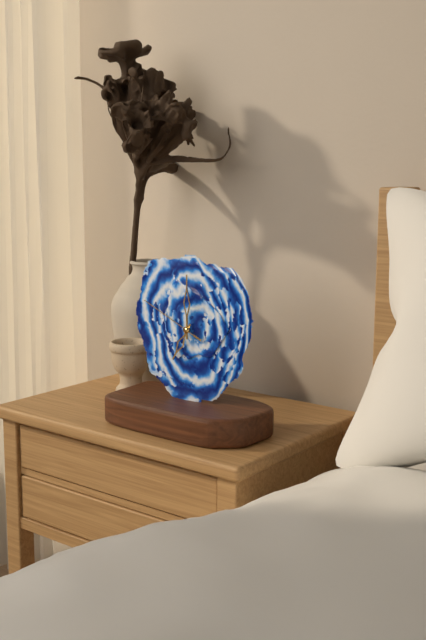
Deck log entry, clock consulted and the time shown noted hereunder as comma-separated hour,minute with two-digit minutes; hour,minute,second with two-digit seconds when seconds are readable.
7,00,49
